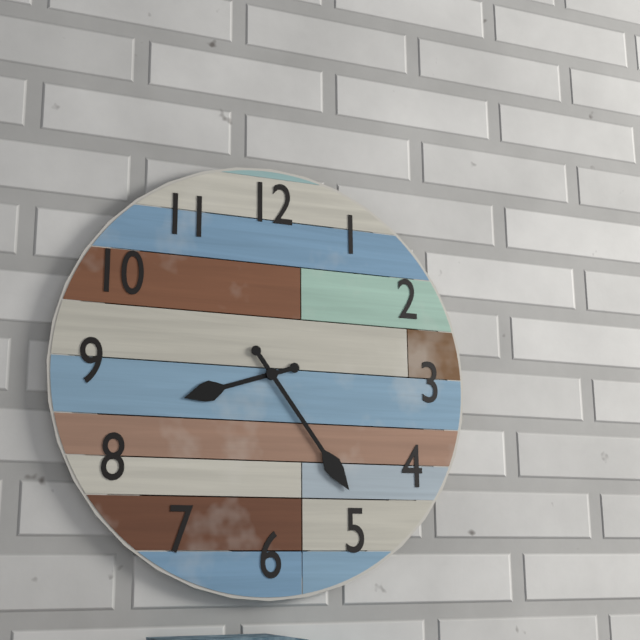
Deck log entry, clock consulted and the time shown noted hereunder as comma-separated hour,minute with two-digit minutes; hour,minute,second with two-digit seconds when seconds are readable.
8,24
